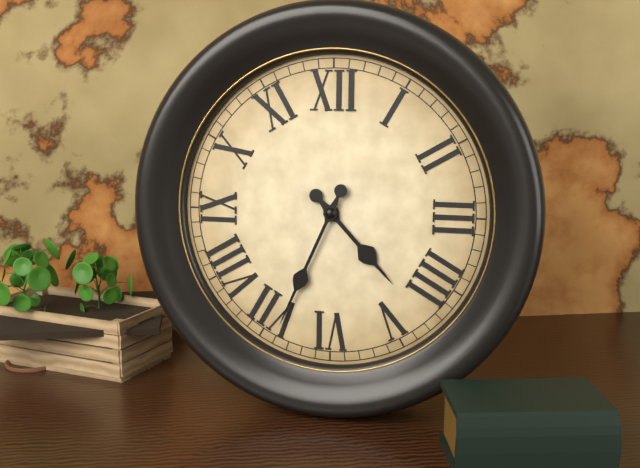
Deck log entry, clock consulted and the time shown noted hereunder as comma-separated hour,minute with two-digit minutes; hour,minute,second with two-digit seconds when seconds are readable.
4,34
